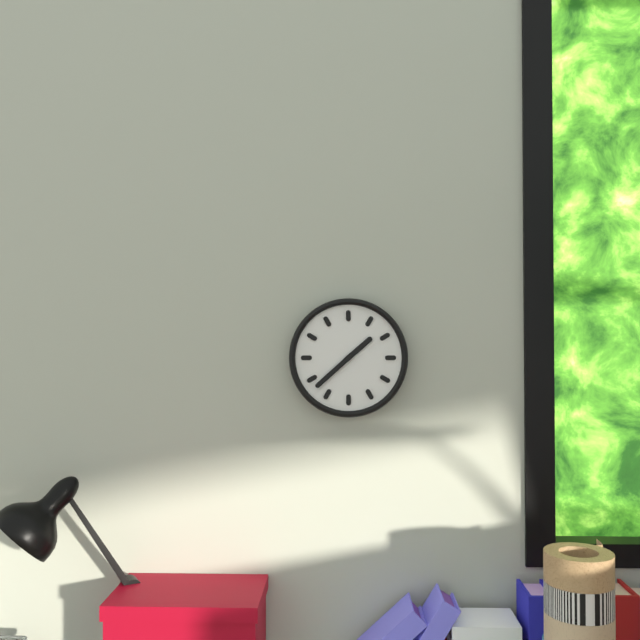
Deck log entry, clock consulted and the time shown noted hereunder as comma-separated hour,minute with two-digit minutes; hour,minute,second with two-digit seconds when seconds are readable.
1,38
